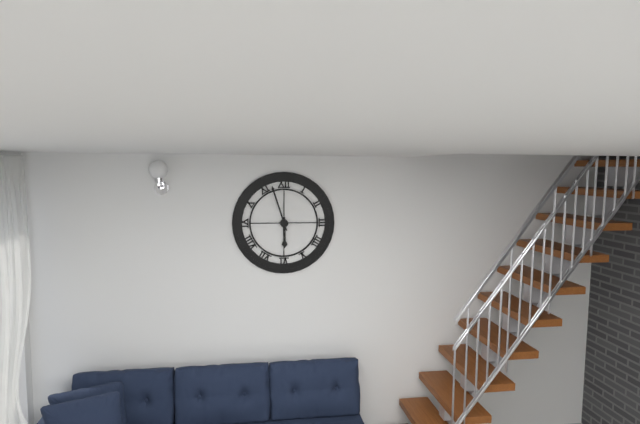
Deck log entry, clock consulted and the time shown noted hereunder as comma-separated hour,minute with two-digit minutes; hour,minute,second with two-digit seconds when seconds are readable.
5,57
